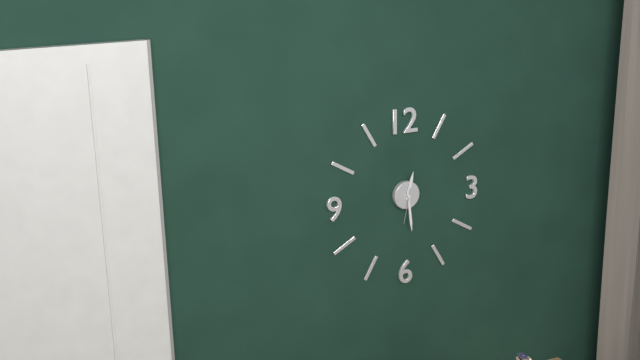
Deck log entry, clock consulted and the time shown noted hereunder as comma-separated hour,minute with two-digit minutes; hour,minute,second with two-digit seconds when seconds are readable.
12,29
